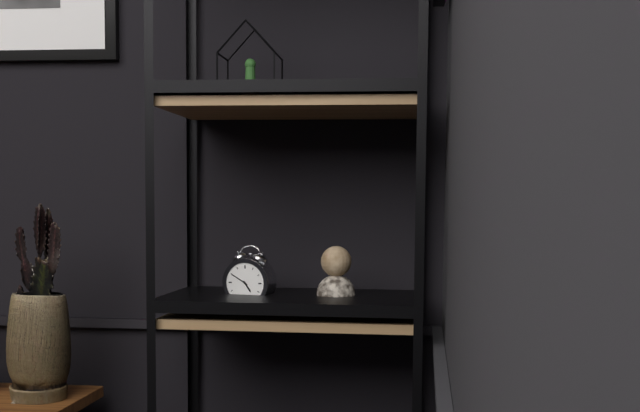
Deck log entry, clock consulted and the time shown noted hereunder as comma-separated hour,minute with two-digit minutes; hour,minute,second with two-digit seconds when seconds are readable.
4,50
